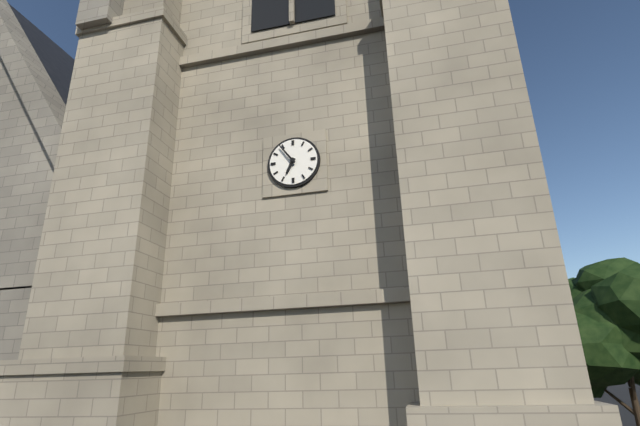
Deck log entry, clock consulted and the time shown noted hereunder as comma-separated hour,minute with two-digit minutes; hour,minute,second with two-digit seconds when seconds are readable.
6,54
